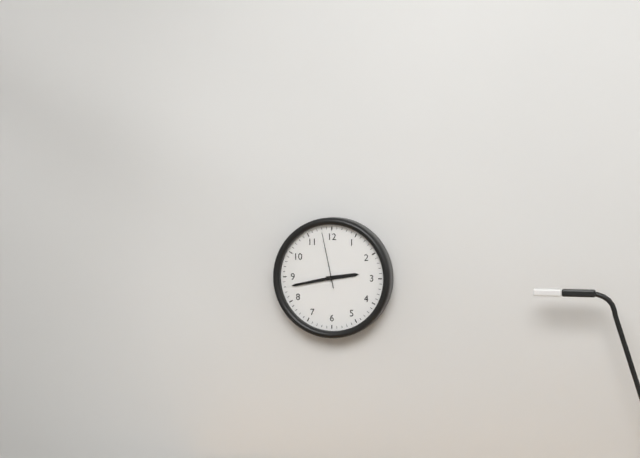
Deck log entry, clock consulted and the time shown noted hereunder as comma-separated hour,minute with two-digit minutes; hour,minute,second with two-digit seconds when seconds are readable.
2,43,58
